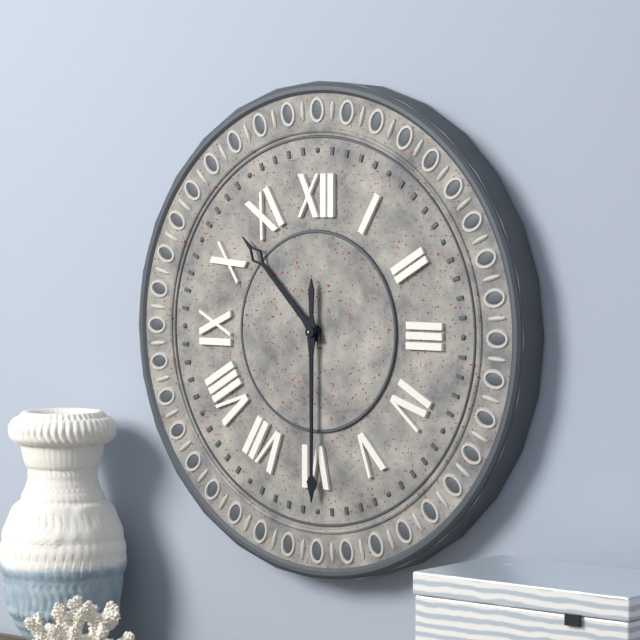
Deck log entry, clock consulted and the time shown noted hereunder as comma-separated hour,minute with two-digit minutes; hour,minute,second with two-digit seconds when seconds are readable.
10,30
